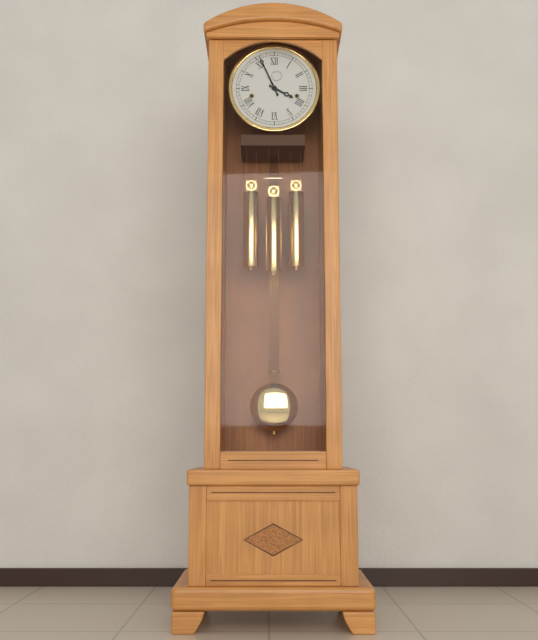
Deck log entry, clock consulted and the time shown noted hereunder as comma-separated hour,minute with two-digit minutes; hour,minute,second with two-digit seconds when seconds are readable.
3,56
